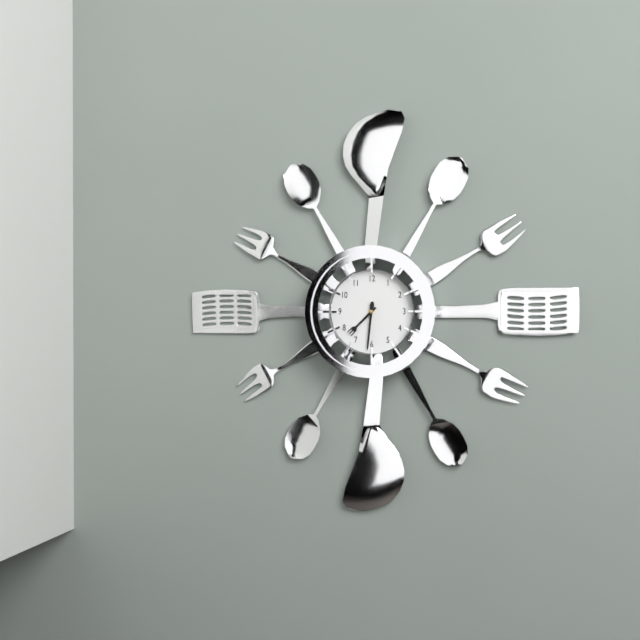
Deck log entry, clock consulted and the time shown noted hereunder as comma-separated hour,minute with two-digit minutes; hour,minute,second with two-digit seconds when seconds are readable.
7,31
